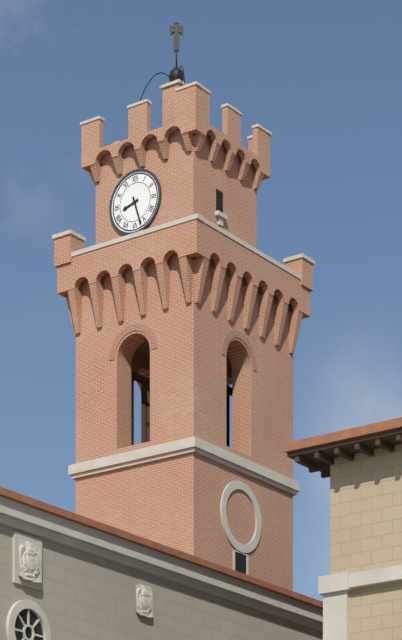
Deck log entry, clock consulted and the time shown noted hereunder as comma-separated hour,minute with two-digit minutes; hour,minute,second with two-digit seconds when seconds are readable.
8,27
